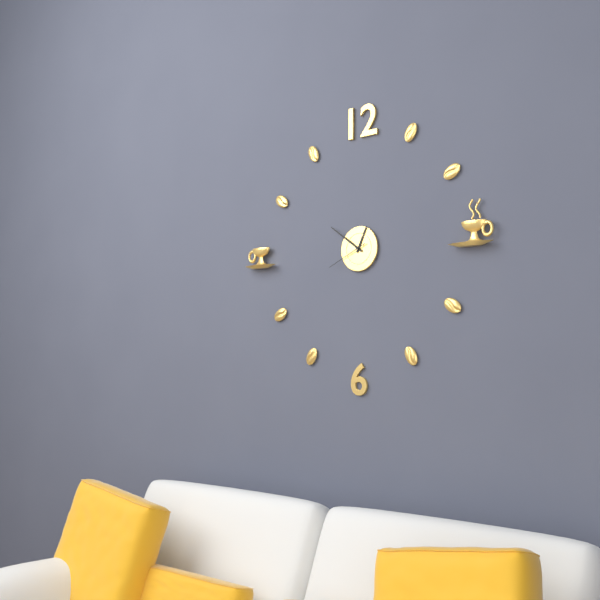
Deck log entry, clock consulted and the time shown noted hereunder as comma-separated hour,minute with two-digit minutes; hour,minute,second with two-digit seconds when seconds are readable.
12,51
